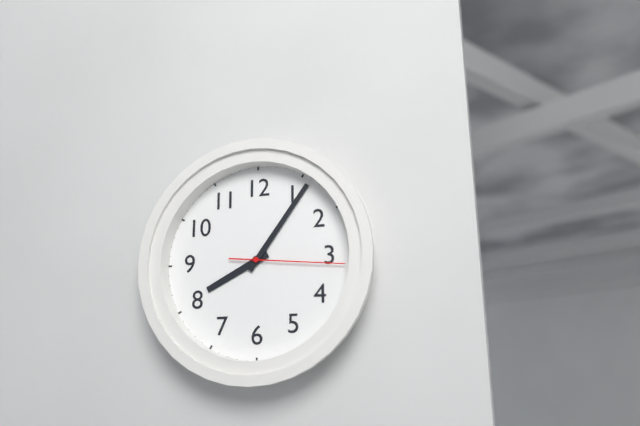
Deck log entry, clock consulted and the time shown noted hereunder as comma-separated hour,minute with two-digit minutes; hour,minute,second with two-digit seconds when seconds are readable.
8,06,16
